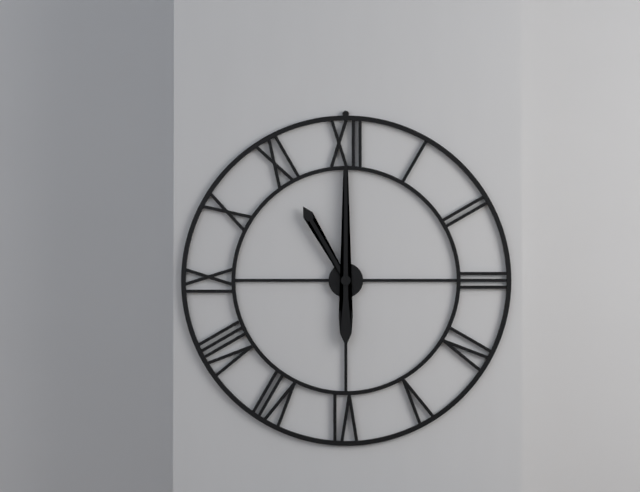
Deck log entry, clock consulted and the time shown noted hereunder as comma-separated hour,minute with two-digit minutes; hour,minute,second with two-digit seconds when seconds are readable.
11,00
